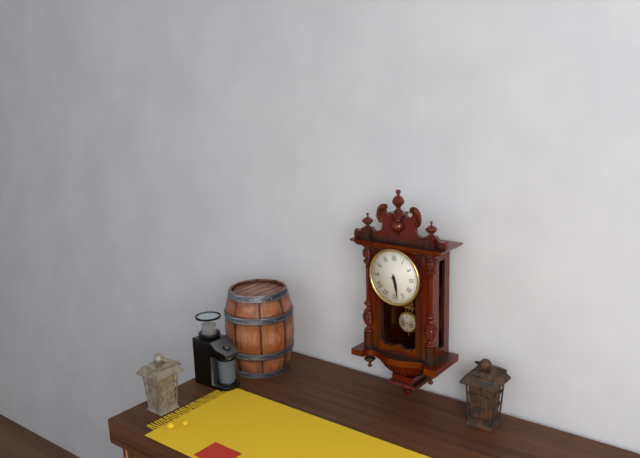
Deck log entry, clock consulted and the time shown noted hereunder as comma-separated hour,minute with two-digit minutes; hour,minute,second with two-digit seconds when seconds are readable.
5,28
